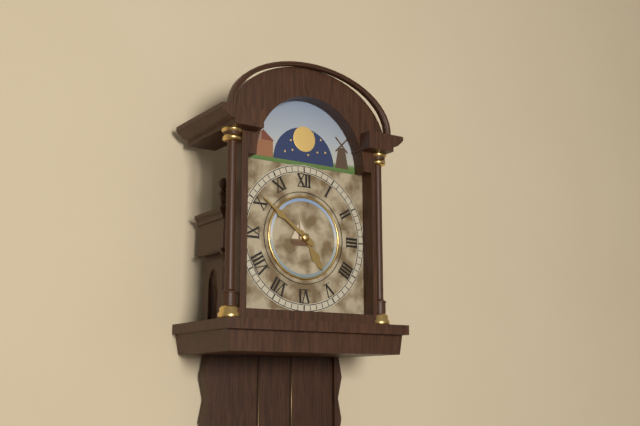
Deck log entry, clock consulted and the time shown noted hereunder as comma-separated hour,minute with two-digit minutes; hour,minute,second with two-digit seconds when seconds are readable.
4,51
